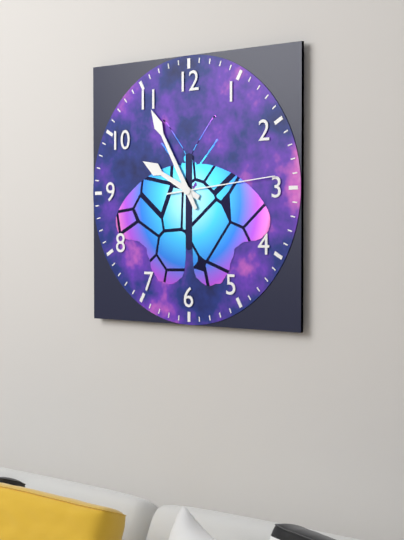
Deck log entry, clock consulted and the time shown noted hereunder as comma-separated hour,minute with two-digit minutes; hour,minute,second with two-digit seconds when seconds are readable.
9,55,14
